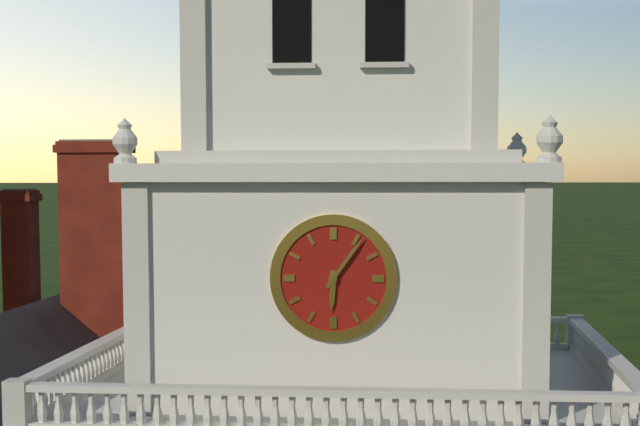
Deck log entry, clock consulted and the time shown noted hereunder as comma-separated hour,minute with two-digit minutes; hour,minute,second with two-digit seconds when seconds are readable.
6,06
